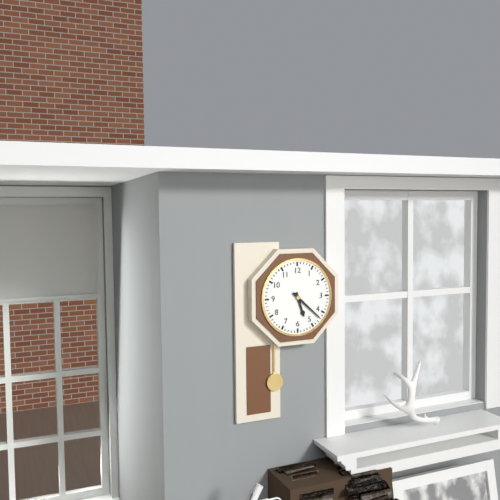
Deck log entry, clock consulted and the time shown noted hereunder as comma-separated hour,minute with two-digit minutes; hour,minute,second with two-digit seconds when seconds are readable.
5,22
